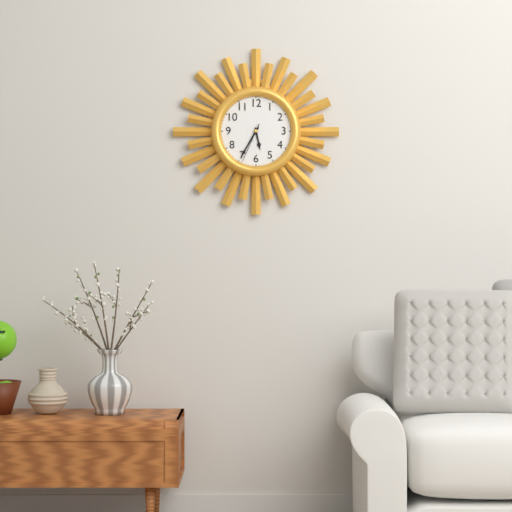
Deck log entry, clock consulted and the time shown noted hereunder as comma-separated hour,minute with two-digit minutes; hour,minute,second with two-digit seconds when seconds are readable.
5,35
